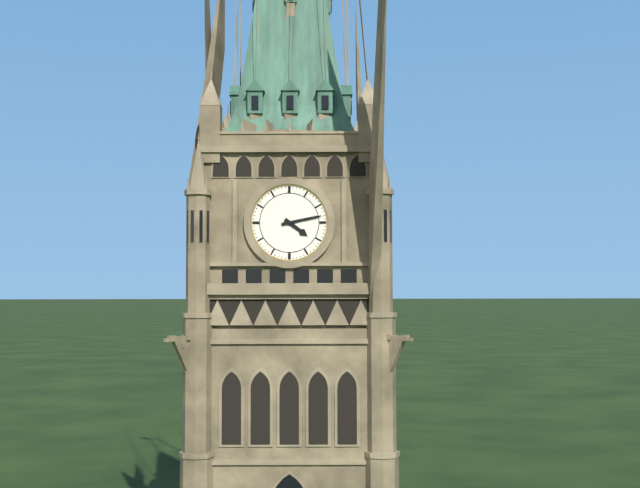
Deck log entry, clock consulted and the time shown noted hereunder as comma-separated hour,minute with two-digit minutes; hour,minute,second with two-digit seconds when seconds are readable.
4,13
